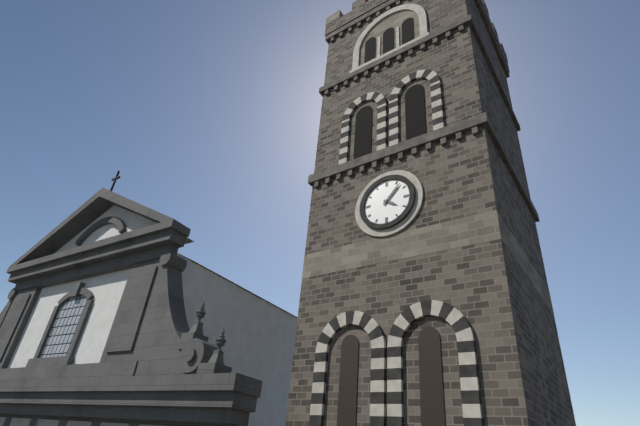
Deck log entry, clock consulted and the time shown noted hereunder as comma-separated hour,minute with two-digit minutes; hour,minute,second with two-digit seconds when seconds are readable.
4,07
